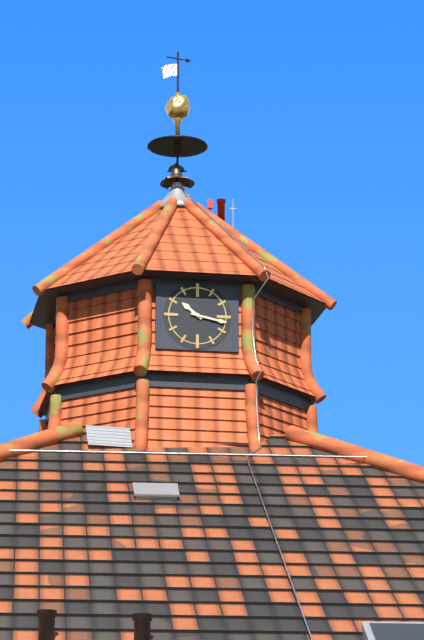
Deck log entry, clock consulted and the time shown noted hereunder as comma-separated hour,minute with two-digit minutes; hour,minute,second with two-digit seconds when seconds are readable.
10,17
